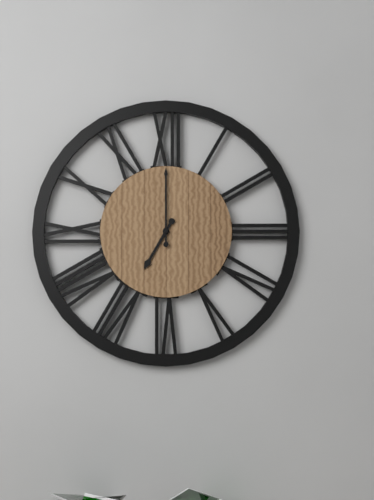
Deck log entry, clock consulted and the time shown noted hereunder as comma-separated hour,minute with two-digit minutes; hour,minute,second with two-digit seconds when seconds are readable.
7,00
